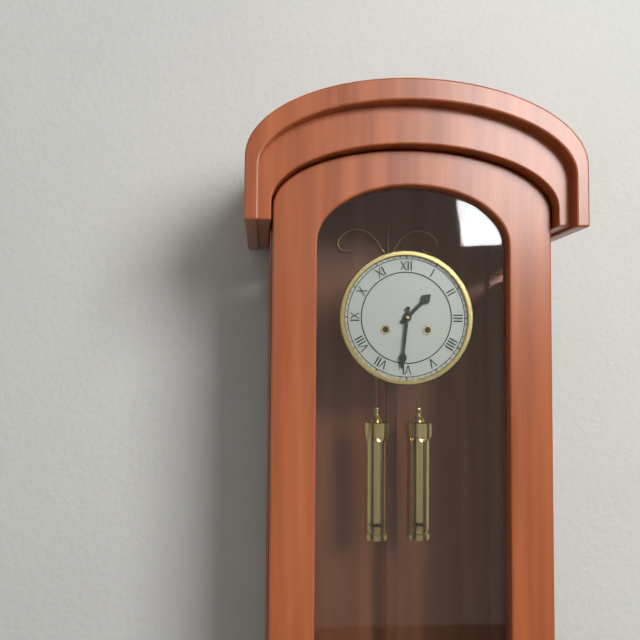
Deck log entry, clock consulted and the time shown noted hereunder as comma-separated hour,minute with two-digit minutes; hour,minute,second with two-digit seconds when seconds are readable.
1,31
